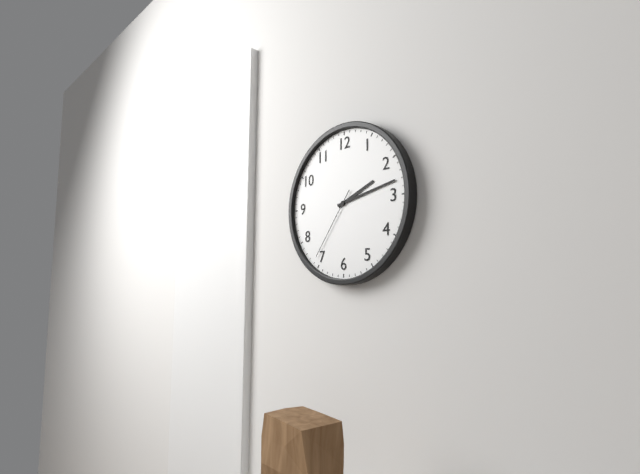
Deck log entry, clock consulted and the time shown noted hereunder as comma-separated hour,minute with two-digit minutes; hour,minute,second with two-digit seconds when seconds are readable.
2,13,36
